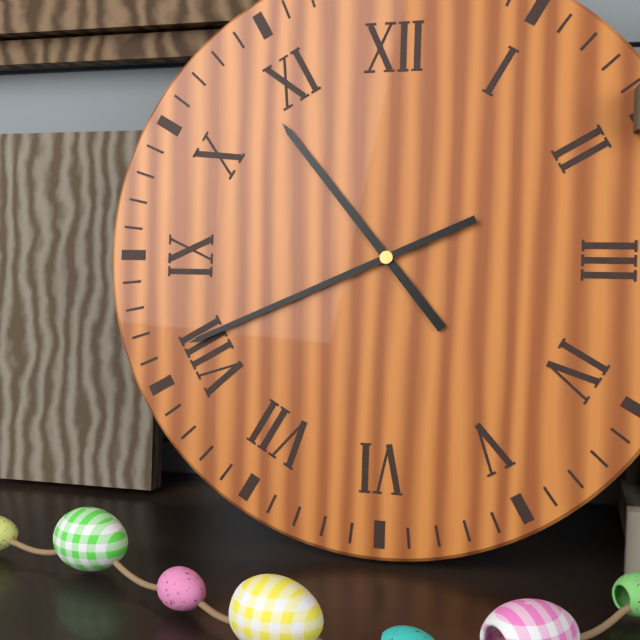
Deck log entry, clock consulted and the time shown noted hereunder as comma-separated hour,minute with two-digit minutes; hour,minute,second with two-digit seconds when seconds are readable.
10,41
